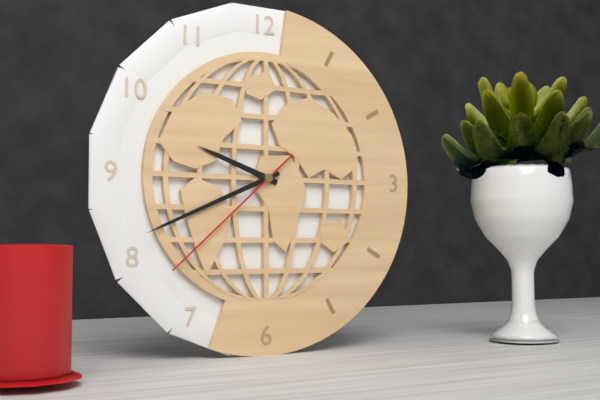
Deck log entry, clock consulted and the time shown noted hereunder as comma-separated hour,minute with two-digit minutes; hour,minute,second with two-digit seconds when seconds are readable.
9,41,38
